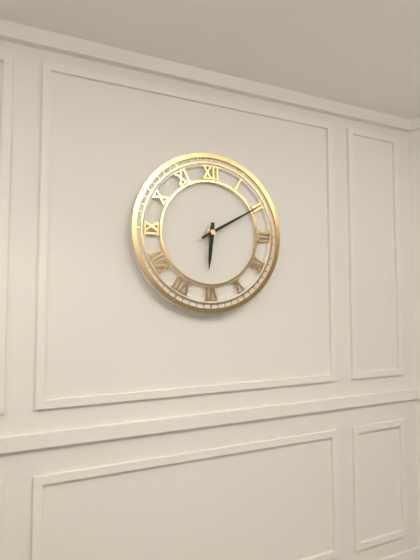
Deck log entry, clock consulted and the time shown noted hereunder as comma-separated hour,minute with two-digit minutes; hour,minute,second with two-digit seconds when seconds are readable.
6,10
